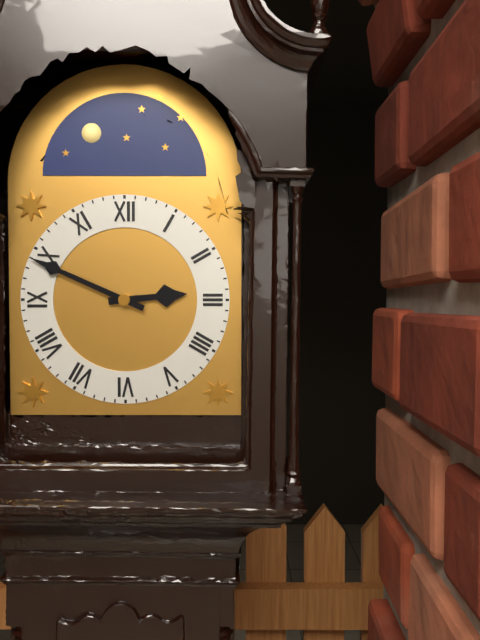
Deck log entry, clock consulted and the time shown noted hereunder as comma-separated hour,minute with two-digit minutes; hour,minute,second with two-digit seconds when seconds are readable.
2,49
